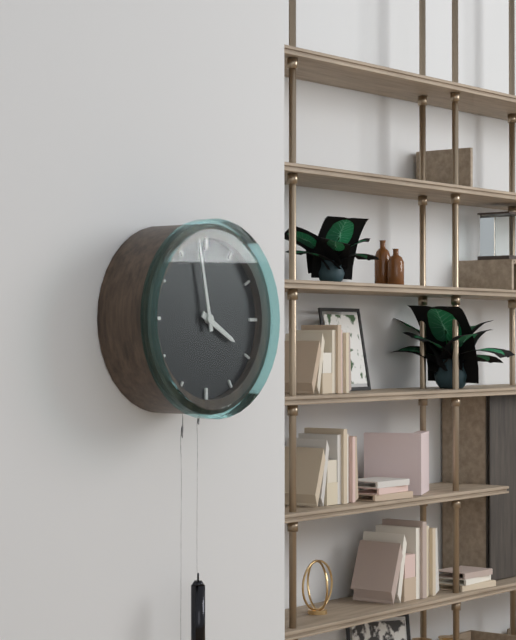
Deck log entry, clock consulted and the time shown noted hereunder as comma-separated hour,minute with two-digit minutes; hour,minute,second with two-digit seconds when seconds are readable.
3,58
